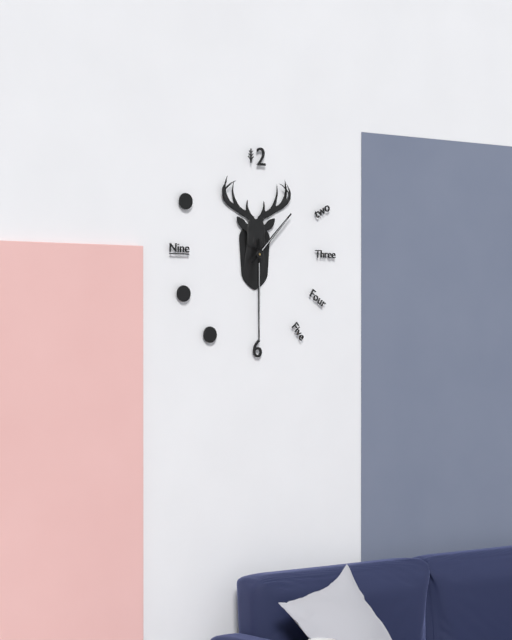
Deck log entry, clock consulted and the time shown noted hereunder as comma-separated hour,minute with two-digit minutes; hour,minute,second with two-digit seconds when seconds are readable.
1,30
